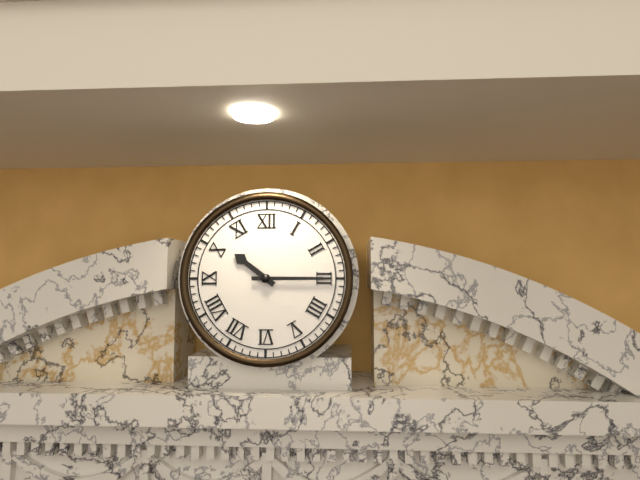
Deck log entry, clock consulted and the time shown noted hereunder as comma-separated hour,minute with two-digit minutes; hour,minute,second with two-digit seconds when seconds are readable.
10,15
